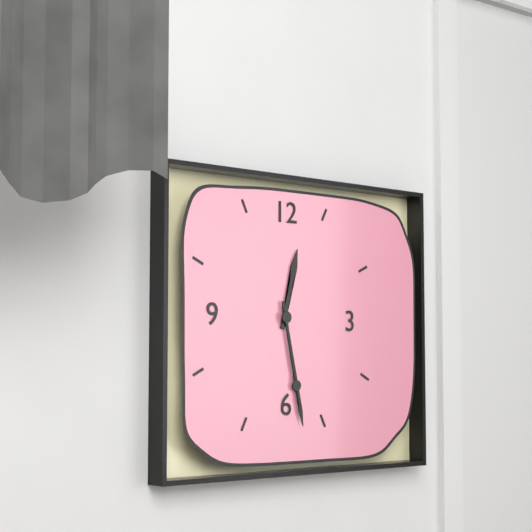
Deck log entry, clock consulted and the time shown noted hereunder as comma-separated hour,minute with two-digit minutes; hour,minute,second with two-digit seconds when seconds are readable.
12,28
